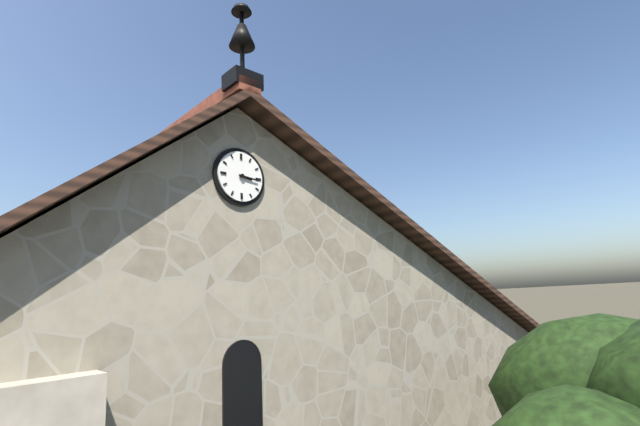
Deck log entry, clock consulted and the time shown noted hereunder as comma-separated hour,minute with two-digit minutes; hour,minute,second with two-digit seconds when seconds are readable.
3,16
